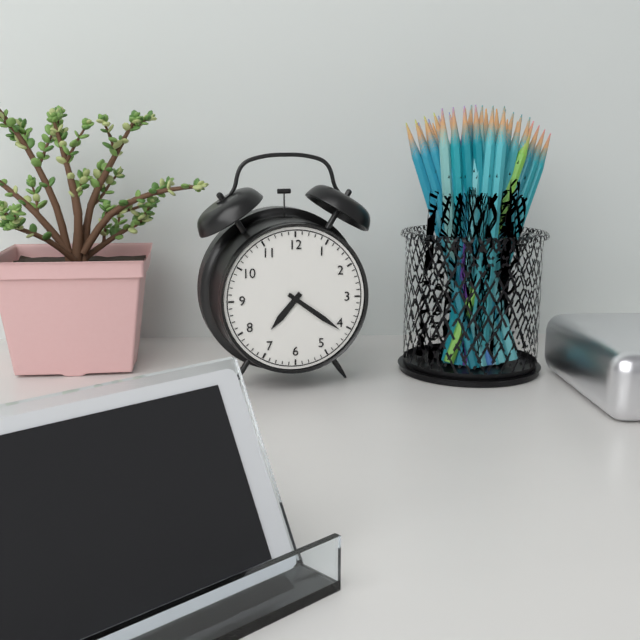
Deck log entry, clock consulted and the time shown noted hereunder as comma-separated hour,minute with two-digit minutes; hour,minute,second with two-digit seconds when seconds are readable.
7,21
